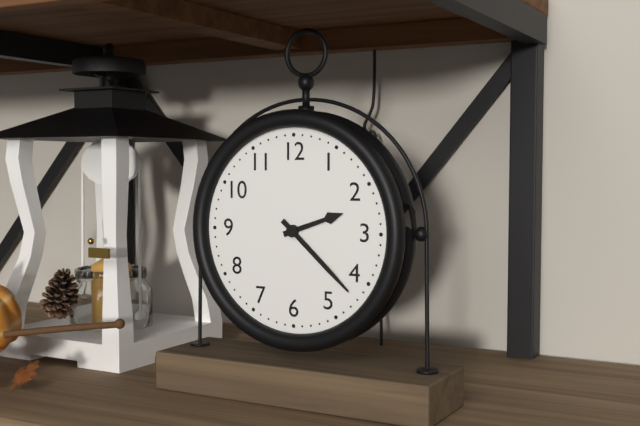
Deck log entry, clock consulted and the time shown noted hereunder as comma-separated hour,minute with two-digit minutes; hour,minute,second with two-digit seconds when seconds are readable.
2,22
